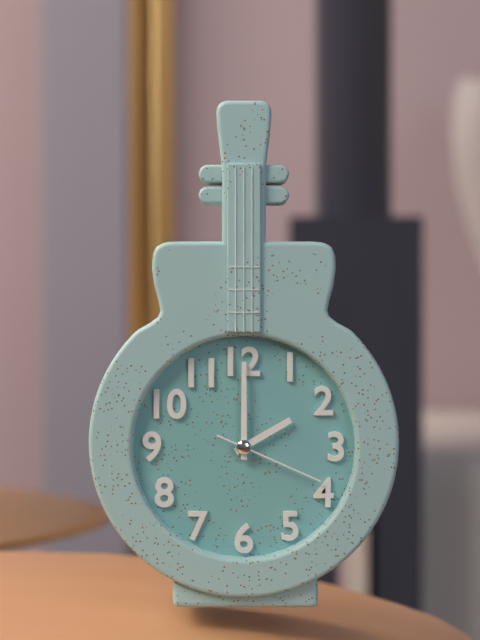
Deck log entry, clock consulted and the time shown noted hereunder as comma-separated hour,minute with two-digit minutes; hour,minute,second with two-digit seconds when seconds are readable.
2,00,19
